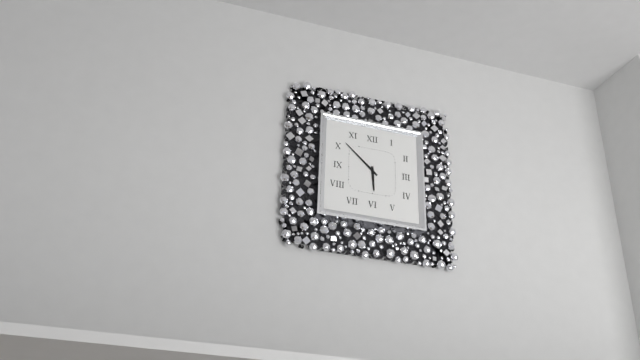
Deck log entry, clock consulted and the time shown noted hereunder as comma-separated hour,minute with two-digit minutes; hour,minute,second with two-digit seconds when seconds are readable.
5,52
